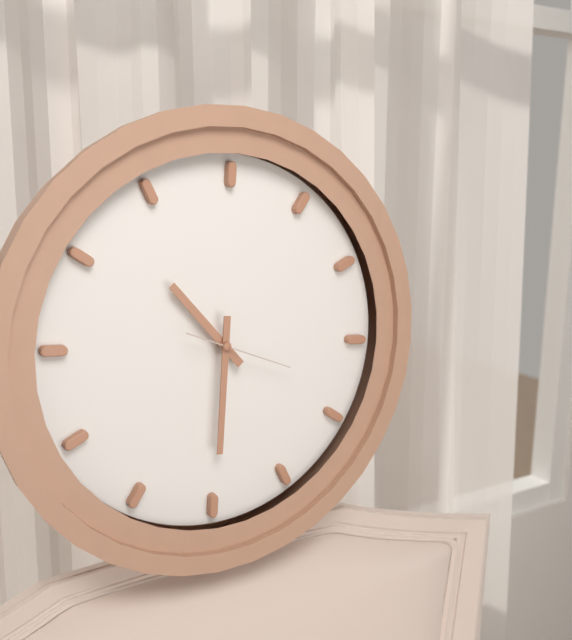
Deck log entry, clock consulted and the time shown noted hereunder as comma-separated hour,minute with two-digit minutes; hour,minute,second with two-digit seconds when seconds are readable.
10,30,18
